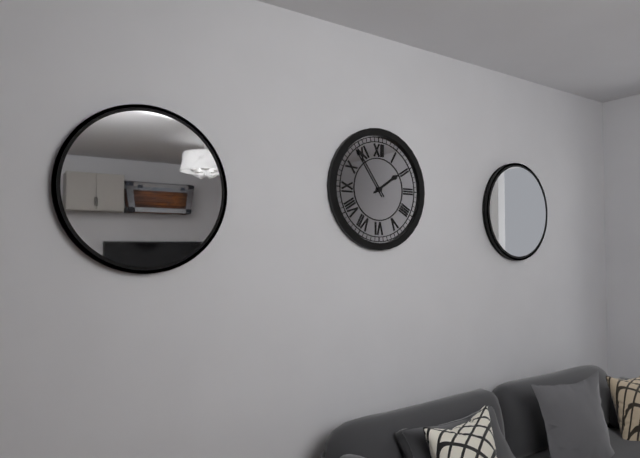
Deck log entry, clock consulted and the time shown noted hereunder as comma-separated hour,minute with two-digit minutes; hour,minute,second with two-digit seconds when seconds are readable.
1,54
